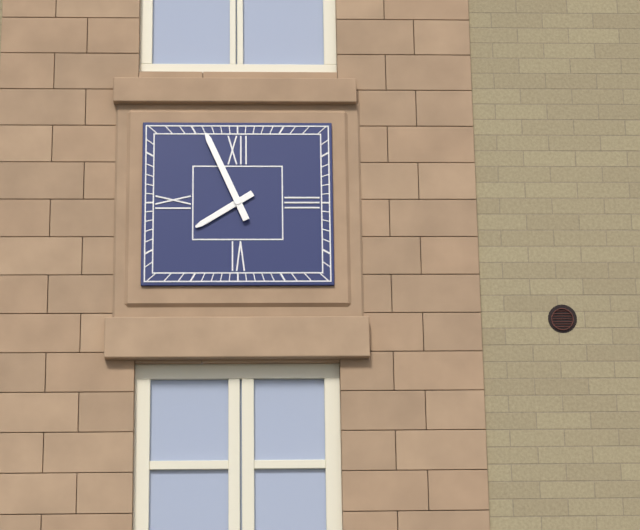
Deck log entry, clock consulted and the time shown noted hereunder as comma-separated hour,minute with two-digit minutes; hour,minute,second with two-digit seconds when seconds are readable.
7,56
